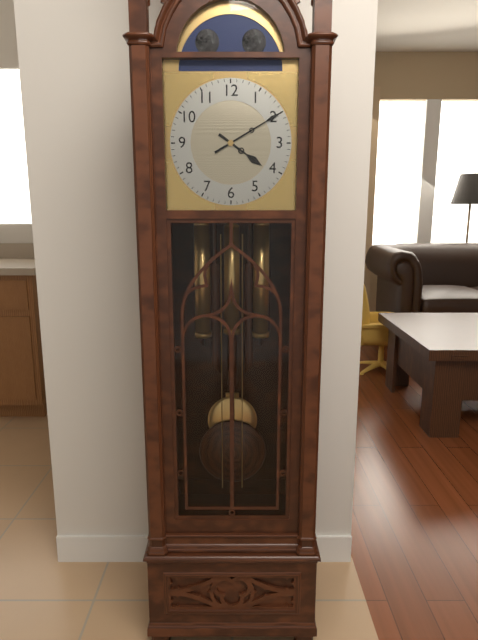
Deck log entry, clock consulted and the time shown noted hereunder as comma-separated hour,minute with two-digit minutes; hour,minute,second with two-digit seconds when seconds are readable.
4,10
